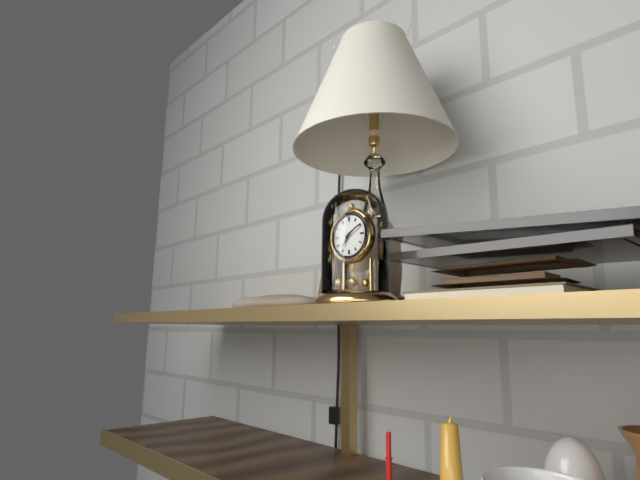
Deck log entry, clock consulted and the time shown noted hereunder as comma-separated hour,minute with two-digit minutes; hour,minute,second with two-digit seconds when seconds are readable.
7,10
